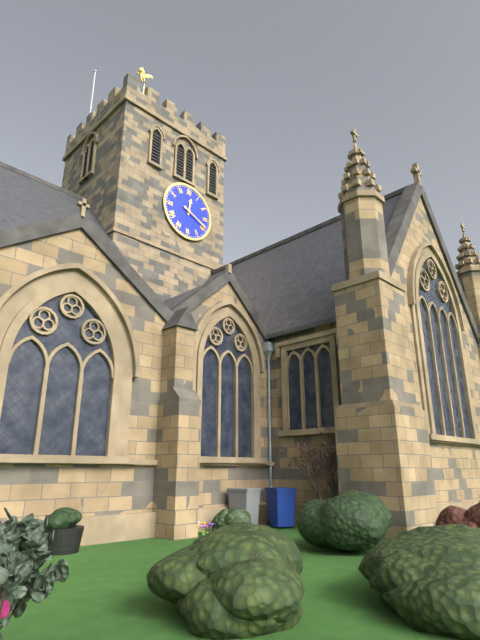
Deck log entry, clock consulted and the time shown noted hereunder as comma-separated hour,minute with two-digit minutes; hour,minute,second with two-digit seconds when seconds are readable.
12,19
